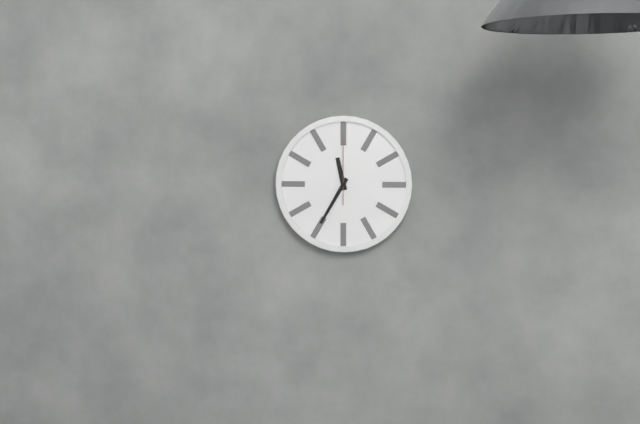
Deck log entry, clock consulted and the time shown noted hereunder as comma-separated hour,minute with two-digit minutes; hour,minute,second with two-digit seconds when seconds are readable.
11,35,00
